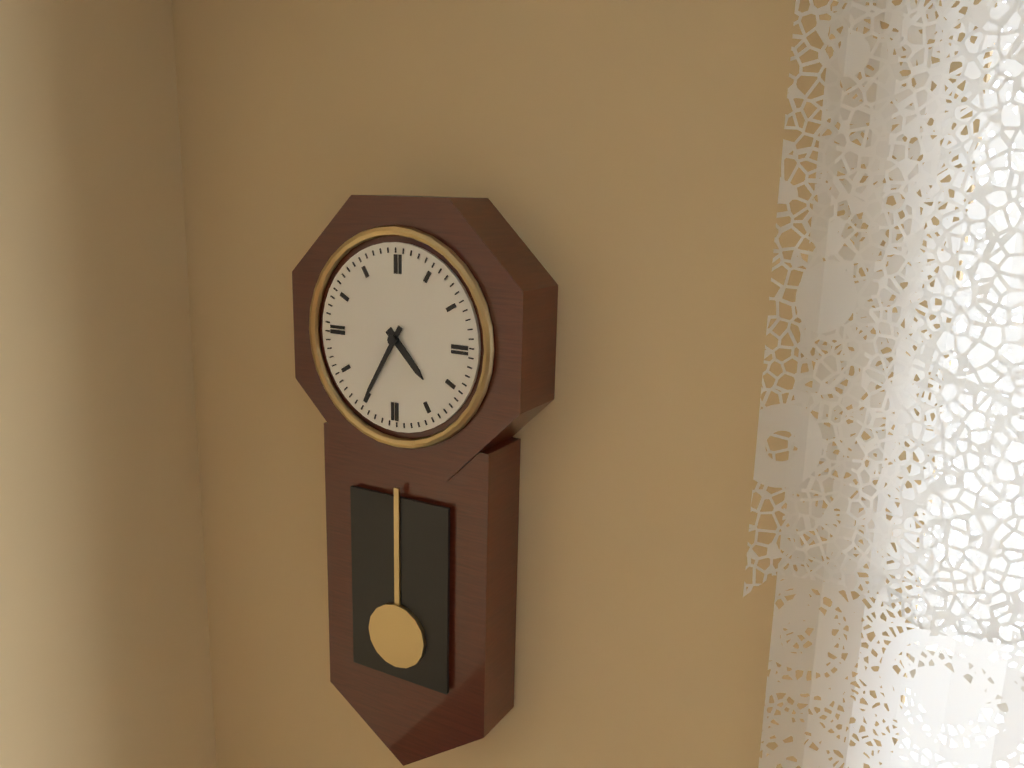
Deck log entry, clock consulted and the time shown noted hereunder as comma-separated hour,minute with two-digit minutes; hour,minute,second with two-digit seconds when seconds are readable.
4,35
